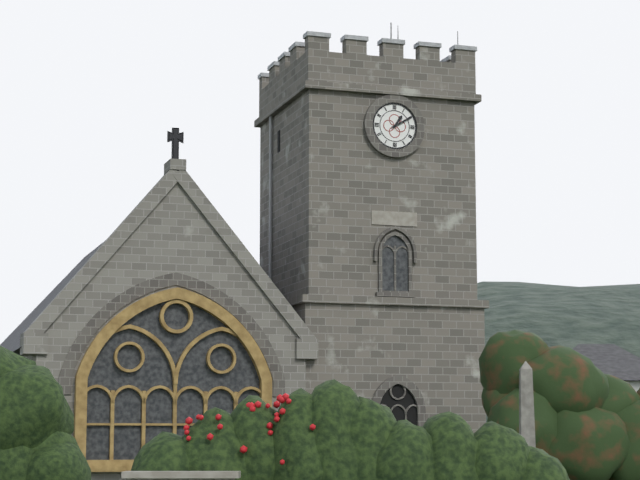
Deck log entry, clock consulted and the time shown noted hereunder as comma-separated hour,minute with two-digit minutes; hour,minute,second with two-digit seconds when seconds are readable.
1,10
